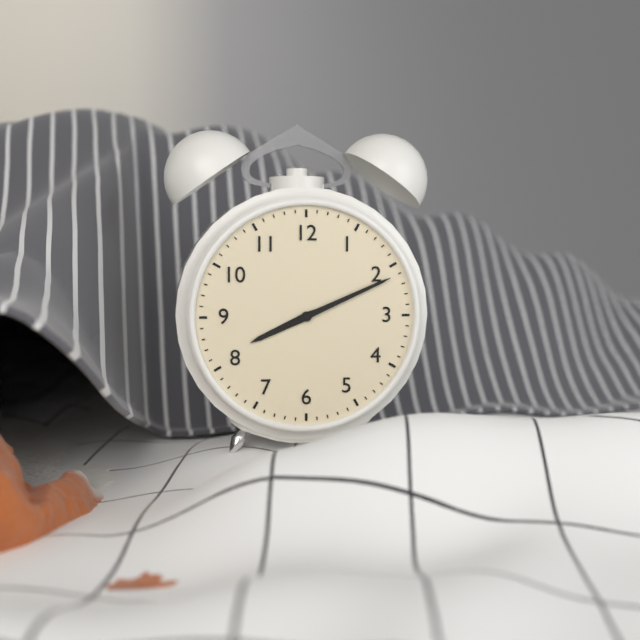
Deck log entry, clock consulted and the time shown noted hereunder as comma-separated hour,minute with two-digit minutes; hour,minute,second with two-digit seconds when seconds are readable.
8,11
